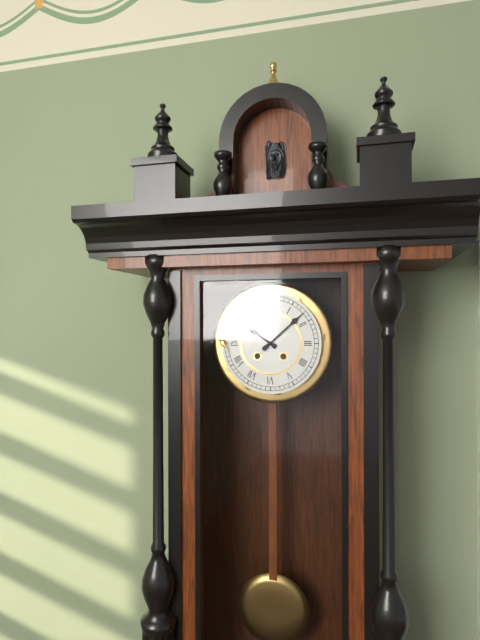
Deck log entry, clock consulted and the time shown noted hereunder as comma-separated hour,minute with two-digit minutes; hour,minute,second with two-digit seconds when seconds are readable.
10,08
